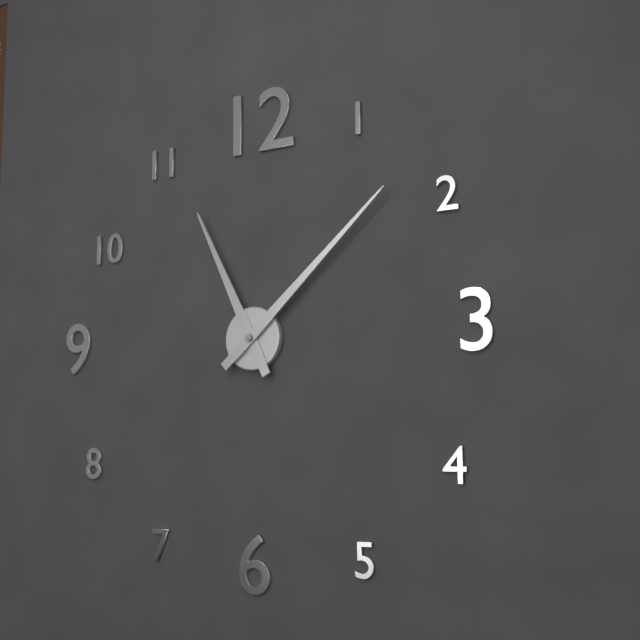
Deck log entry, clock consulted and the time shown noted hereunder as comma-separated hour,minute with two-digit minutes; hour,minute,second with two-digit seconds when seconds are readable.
11,08
